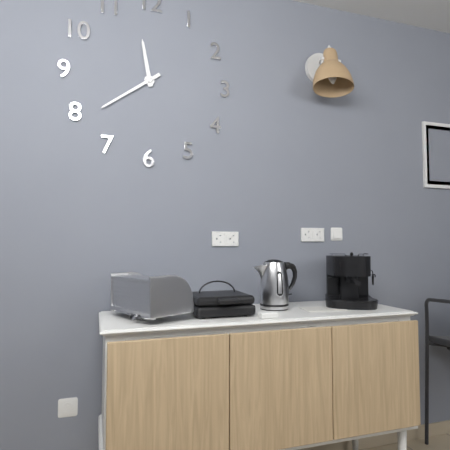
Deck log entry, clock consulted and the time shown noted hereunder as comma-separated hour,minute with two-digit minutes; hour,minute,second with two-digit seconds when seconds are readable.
11,39
